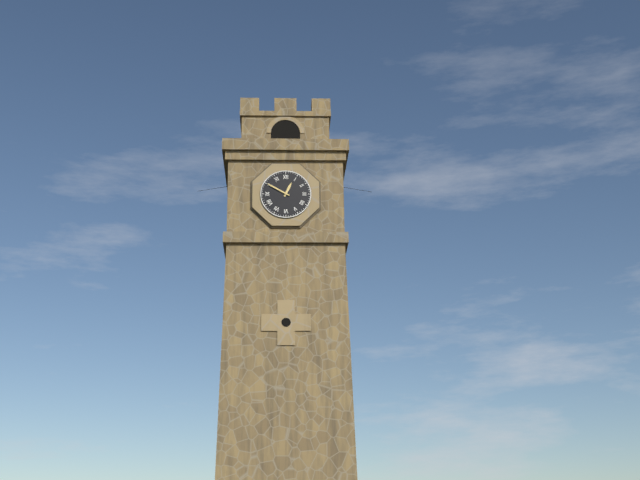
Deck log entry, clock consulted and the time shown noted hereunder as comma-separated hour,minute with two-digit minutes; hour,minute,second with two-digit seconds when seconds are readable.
12,50
